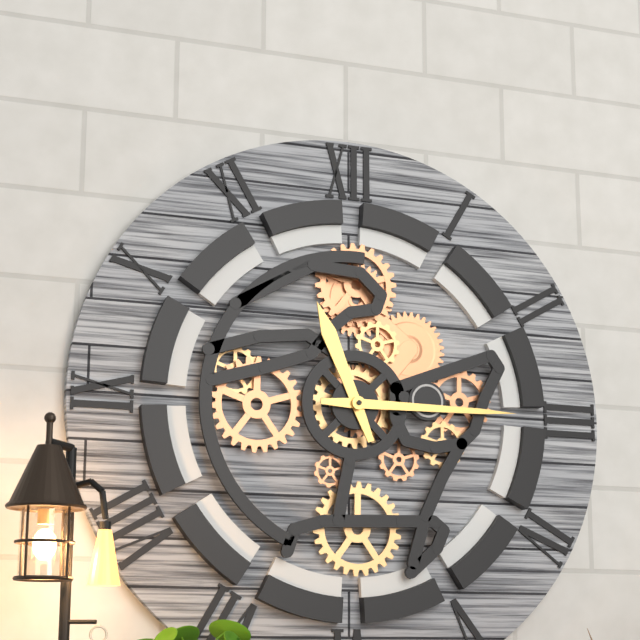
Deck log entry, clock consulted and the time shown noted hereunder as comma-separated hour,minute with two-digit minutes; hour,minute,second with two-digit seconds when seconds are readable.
11,15
